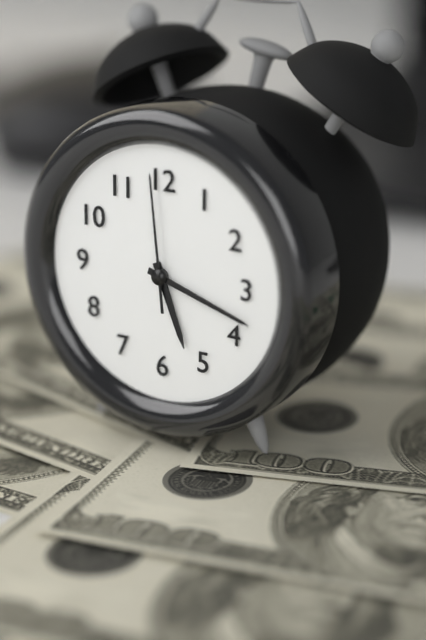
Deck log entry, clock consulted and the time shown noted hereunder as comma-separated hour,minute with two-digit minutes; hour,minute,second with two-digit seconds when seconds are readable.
5,18,59
